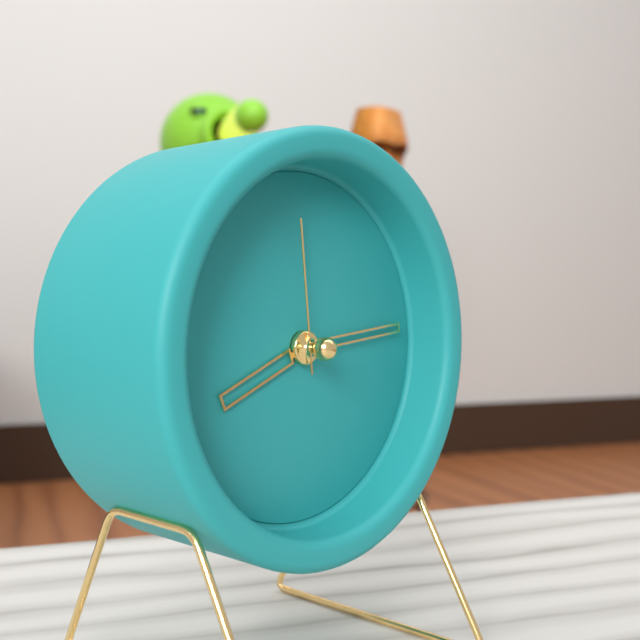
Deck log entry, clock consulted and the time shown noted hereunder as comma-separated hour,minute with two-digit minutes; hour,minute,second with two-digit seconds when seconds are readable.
8,14,59
